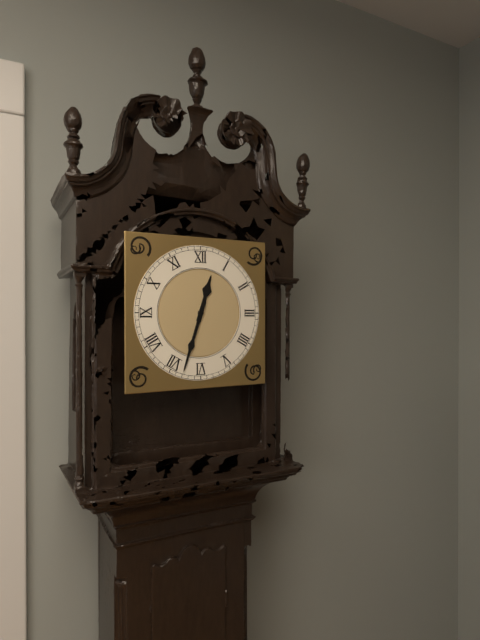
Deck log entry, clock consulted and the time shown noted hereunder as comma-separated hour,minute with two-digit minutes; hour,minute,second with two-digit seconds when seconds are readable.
12,33
